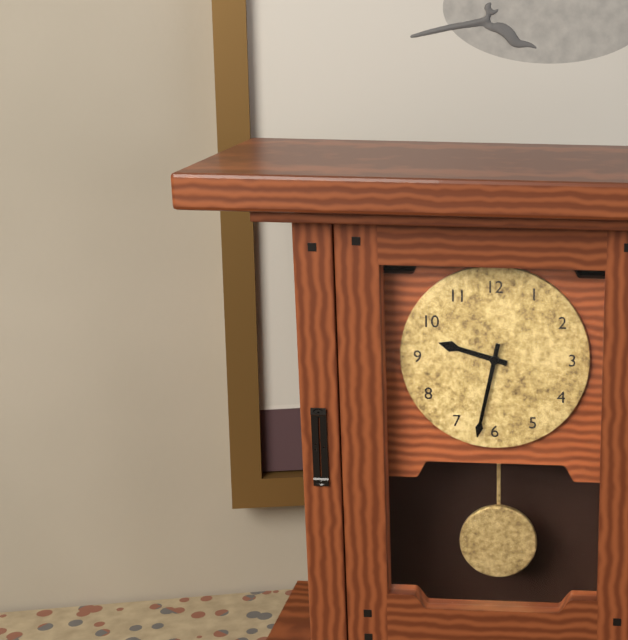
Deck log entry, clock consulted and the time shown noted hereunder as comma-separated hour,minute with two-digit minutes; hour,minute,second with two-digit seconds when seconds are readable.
9,32
